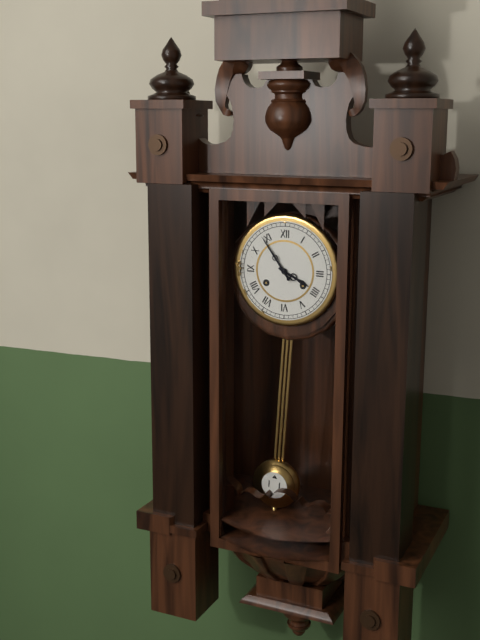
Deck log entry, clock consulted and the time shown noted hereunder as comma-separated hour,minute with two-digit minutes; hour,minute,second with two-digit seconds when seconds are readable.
3,54
